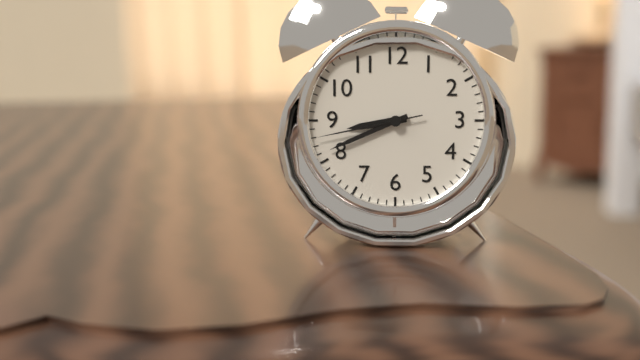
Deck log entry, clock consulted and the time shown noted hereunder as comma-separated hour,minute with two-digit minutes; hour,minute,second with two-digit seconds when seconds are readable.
8,41,43
